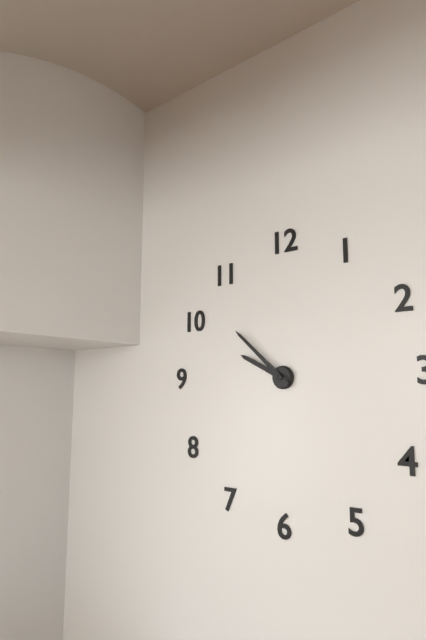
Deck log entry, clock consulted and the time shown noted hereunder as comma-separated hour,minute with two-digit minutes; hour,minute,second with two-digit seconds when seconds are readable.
9,52
